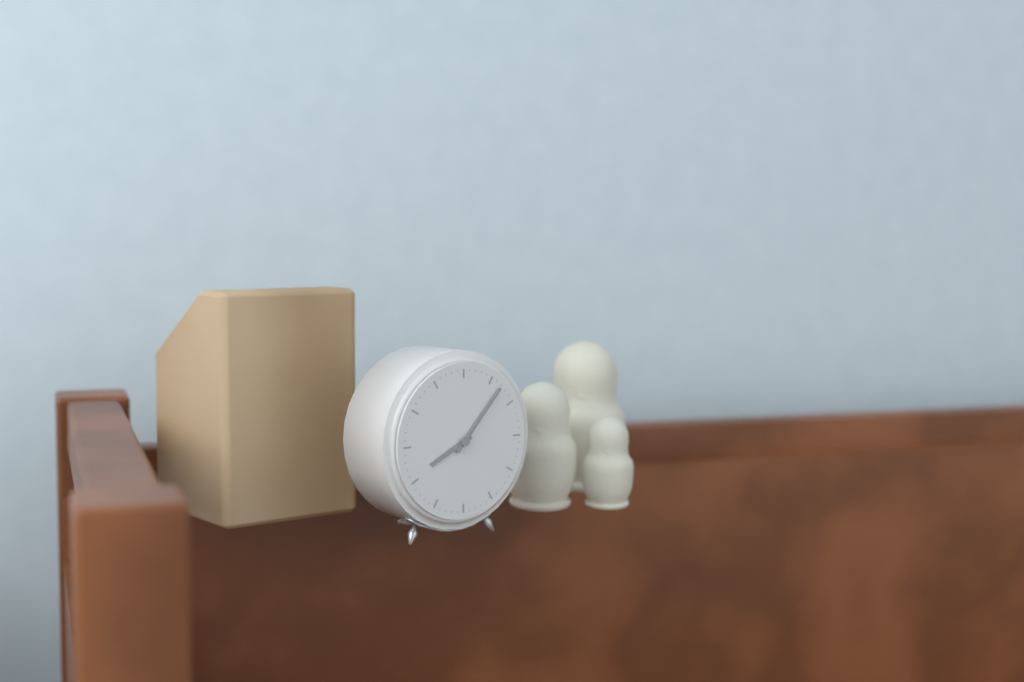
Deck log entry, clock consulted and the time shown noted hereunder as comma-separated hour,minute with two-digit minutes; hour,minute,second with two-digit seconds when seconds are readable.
8,07
